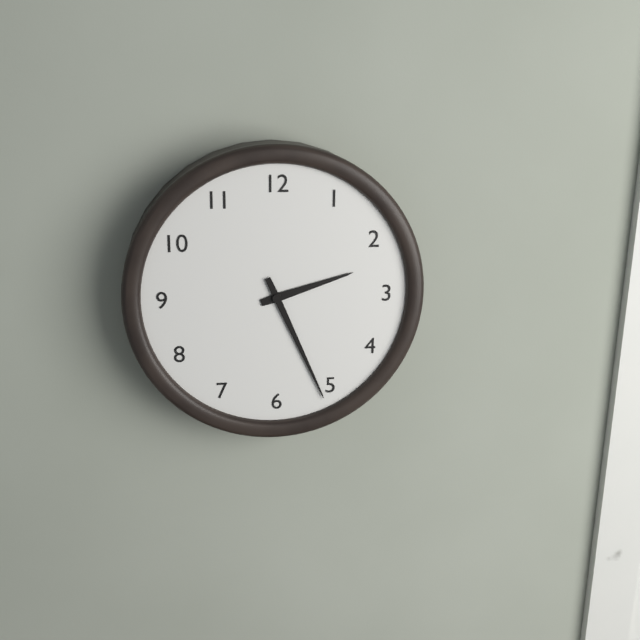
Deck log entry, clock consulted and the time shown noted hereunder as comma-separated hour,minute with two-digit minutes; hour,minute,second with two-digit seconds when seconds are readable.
2,26
